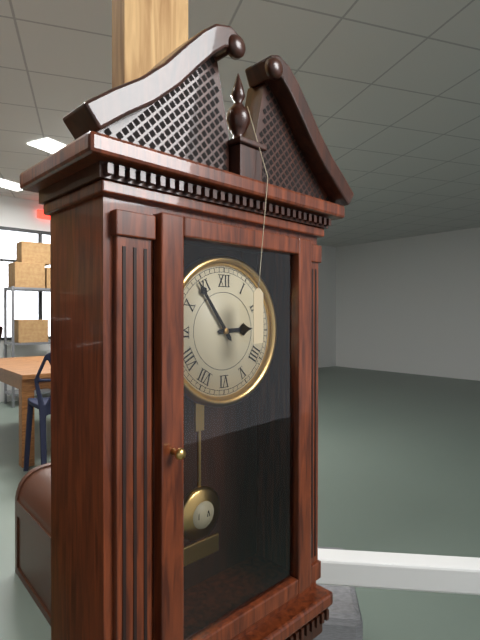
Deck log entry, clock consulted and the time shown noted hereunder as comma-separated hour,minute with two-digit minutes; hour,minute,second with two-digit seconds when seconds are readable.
2,54
